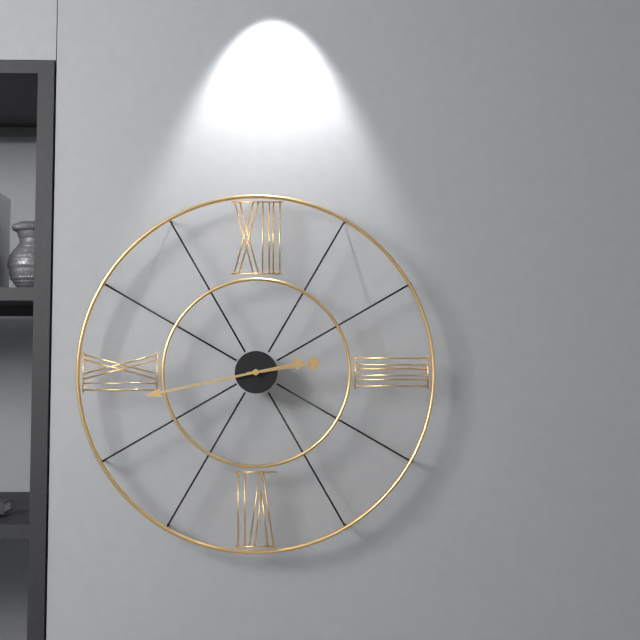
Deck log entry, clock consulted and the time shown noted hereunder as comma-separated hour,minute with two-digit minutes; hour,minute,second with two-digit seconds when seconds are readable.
2,43
